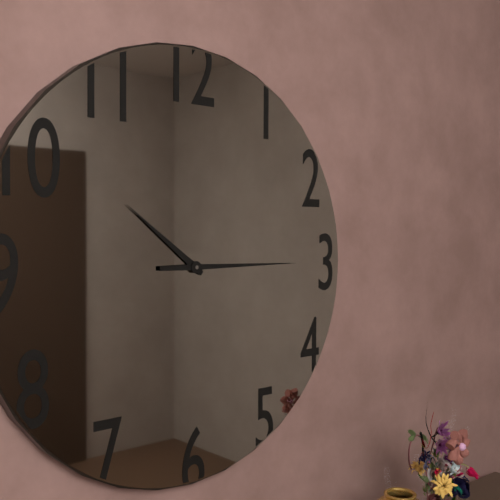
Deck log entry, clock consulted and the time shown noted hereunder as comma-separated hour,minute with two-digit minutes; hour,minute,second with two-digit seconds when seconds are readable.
10,15
